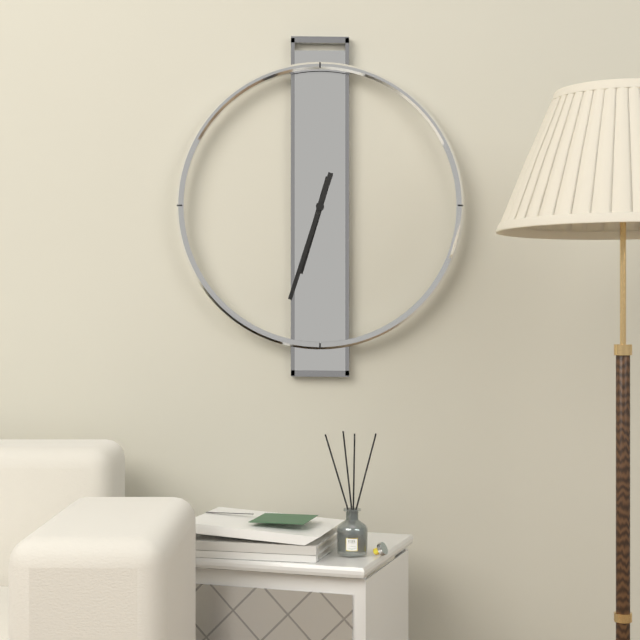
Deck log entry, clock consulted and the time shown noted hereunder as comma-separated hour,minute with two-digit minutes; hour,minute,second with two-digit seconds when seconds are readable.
6,33
